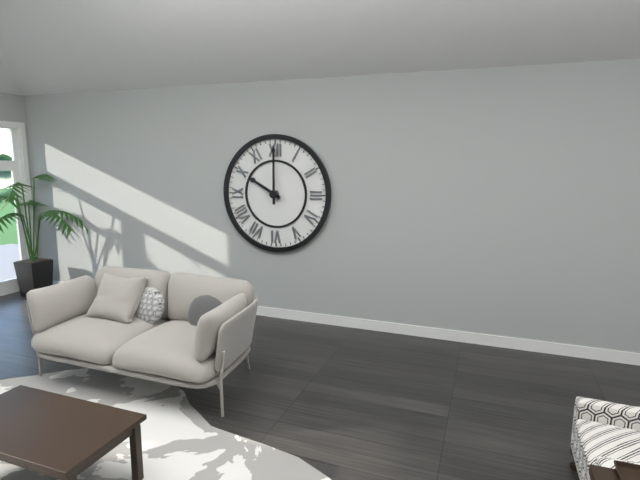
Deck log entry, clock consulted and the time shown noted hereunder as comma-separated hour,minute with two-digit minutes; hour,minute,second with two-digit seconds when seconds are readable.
10,00
